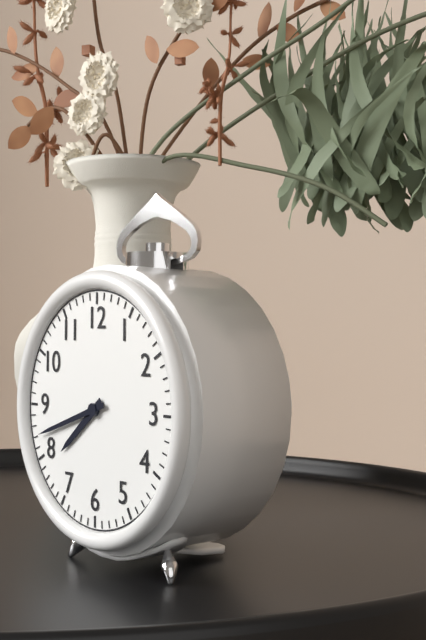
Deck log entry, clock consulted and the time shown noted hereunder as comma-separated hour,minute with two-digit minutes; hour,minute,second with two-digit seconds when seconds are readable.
7,42
